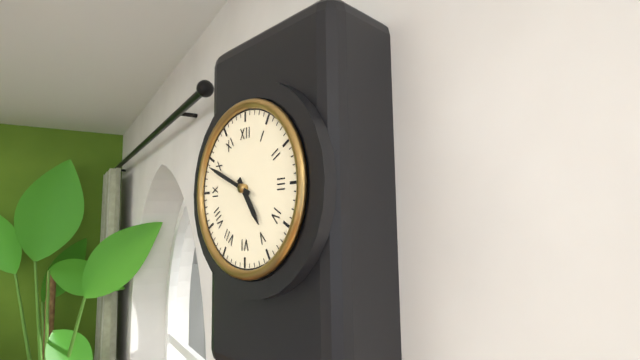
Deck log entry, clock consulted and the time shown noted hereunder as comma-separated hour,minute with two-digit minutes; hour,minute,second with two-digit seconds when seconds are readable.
4,49
